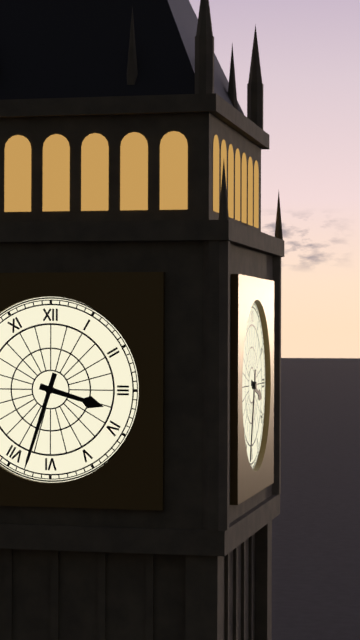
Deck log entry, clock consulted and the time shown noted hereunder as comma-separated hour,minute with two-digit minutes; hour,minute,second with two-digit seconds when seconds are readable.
3,33
